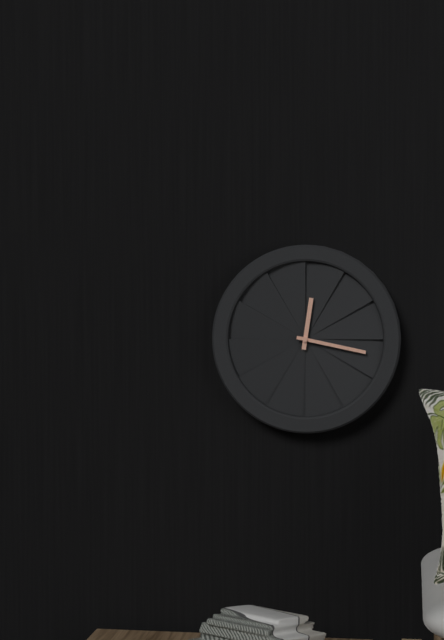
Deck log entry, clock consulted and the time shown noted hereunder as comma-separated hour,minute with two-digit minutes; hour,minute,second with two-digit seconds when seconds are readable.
12,17
